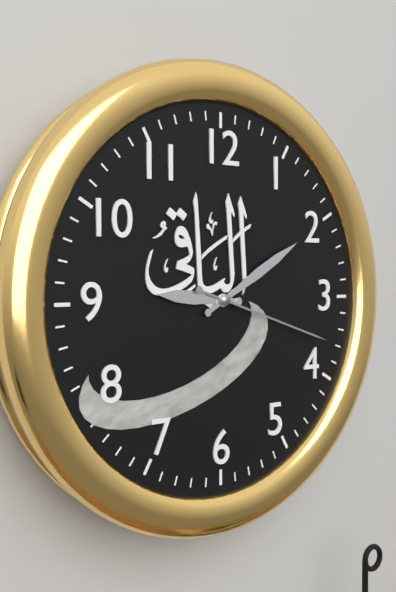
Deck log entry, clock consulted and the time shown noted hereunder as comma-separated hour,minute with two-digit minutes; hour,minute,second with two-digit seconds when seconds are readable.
9,10,18
